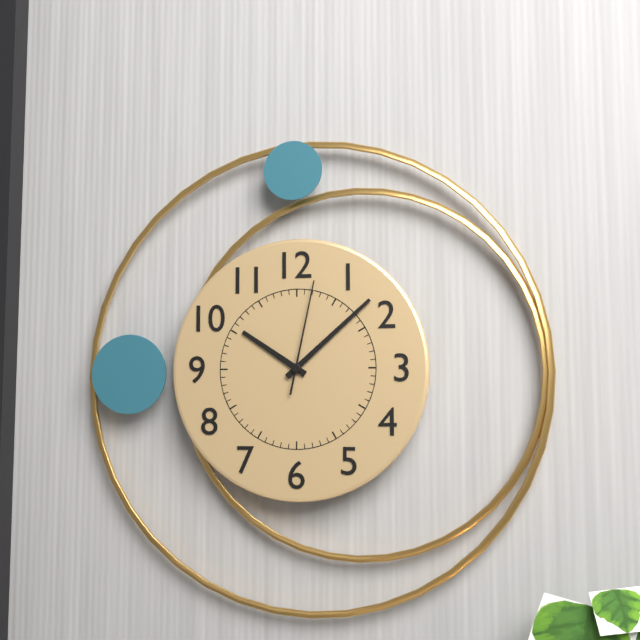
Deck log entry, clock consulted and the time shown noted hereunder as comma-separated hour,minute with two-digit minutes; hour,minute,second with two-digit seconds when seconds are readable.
10,08,02
